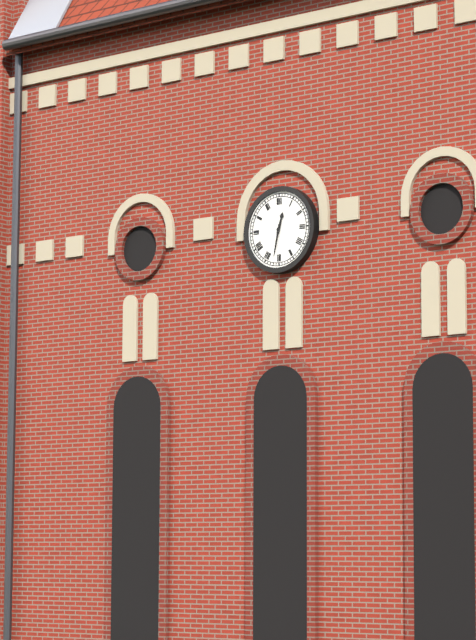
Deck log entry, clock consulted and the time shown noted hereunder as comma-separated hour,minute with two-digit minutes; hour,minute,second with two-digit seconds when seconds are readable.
12,32
